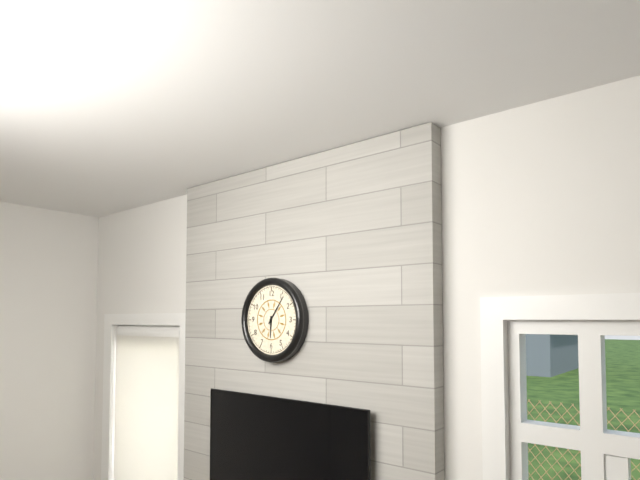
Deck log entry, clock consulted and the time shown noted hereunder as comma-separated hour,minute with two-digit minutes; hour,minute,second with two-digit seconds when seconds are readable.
6,06
